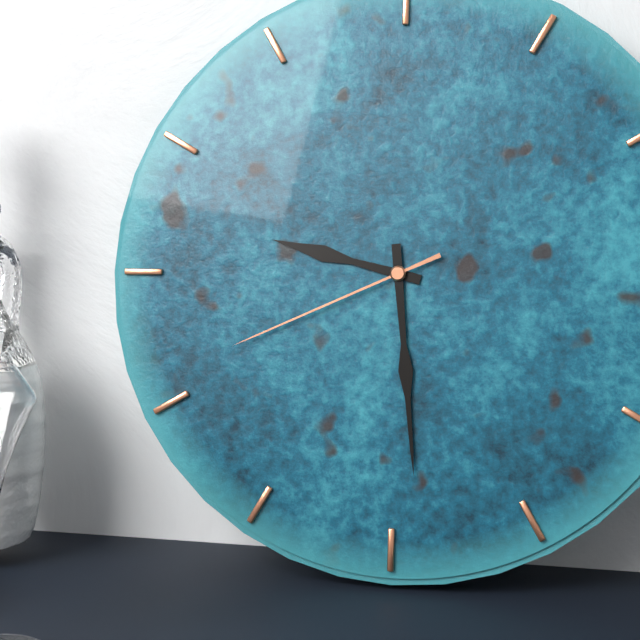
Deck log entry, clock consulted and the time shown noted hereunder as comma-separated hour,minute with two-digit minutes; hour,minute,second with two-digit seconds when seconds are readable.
9,29,41
